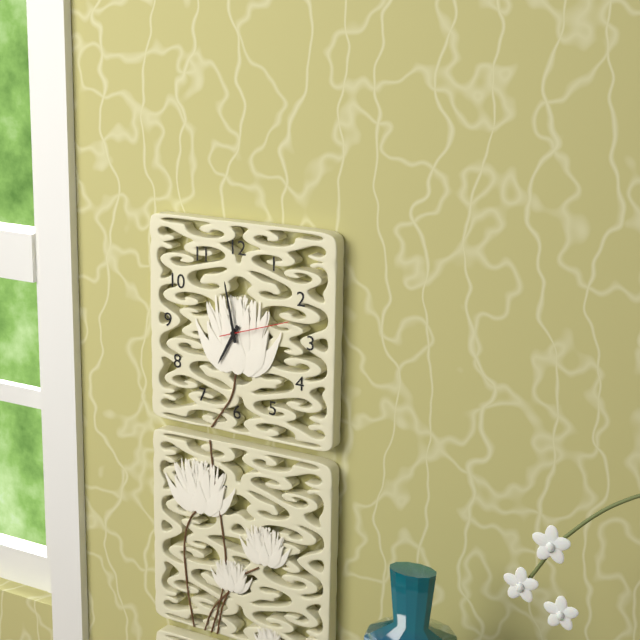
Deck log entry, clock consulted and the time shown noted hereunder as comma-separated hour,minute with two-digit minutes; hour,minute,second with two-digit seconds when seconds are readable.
6,58,12
